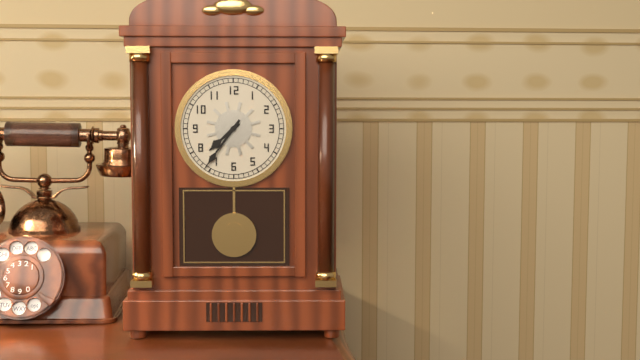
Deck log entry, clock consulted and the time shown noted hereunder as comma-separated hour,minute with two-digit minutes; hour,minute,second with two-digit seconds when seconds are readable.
7,36
